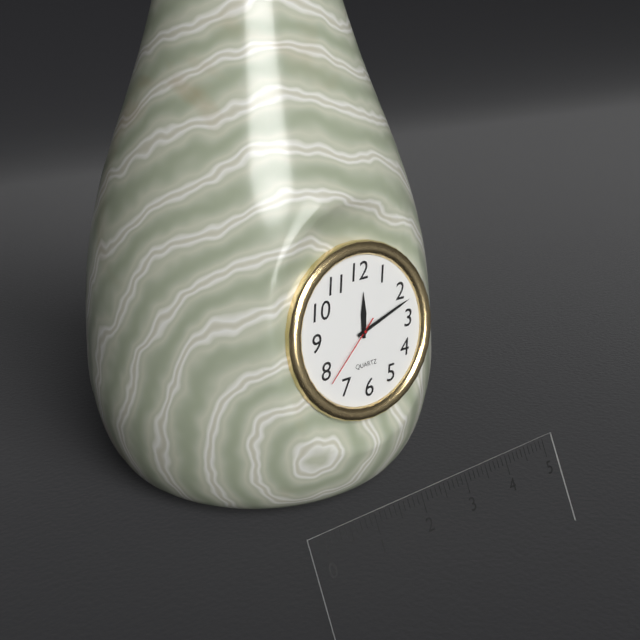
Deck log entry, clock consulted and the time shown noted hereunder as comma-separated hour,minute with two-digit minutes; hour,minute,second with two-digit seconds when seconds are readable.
12,12,38
